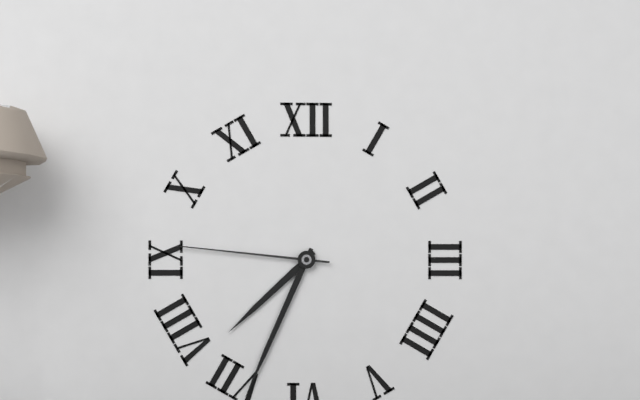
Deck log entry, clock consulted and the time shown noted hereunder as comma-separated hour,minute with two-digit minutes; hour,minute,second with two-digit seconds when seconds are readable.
7,34,46
